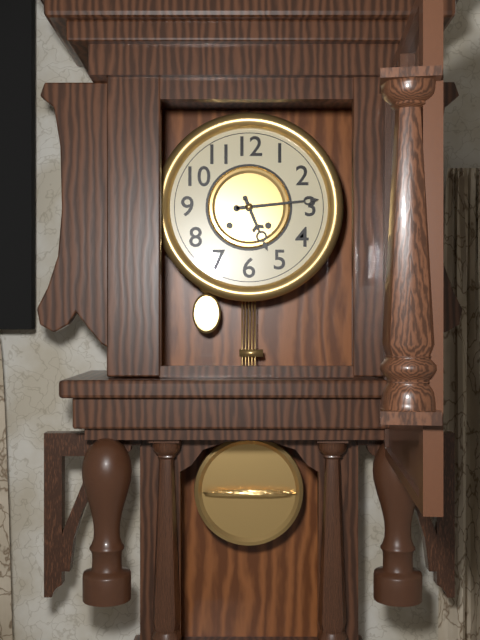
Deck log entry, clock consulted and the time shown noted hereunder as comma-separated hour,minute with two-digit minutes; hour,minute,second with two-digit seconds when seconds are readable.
5,14
